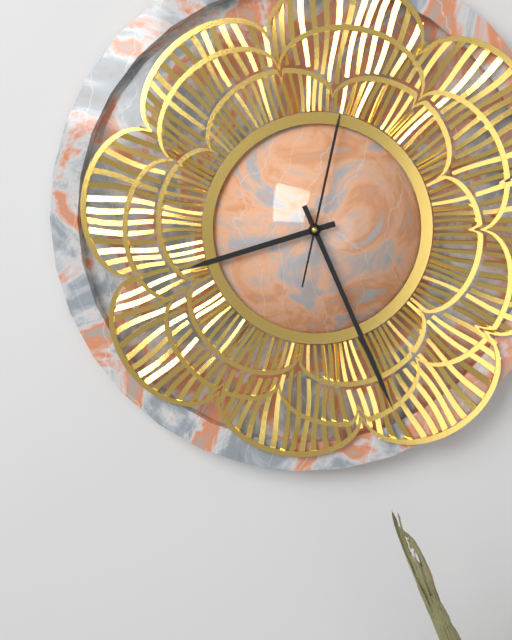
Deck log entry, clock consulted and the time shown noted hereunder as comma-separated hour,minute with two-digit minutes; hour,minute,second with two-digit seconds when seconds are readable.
8,26,02
